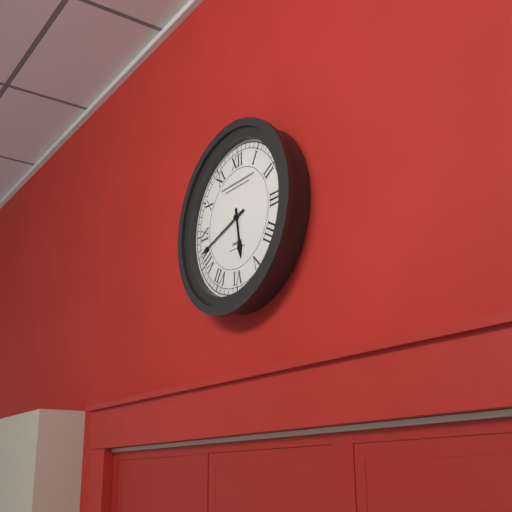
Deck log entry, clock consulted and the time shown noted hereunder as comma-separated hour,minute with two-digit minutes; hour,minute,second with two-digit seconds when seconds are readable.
5,42
